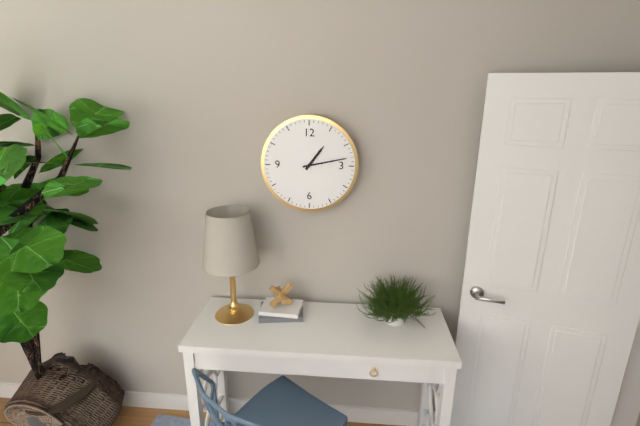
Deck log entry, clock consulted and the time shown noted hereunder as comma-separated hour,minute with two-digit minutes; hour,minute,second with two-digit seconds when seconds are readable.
1,13
